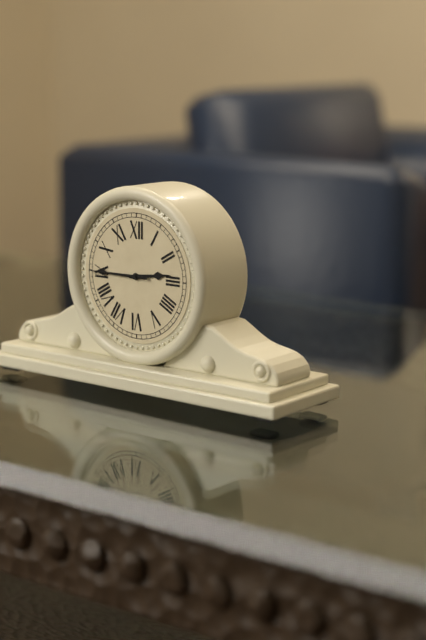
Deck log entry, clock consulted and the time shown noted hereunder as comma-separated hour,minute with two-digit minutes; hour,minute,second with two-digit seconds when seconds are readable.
2,45,45
